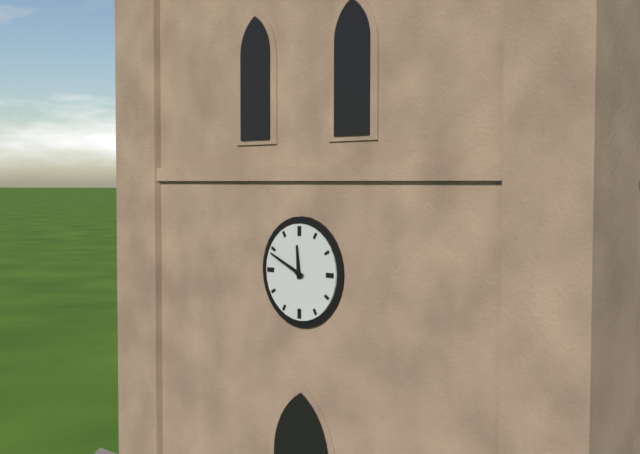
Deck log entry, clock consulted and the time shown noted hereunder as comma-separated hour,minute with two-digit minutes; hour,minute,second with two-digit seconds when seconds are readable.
11,49
